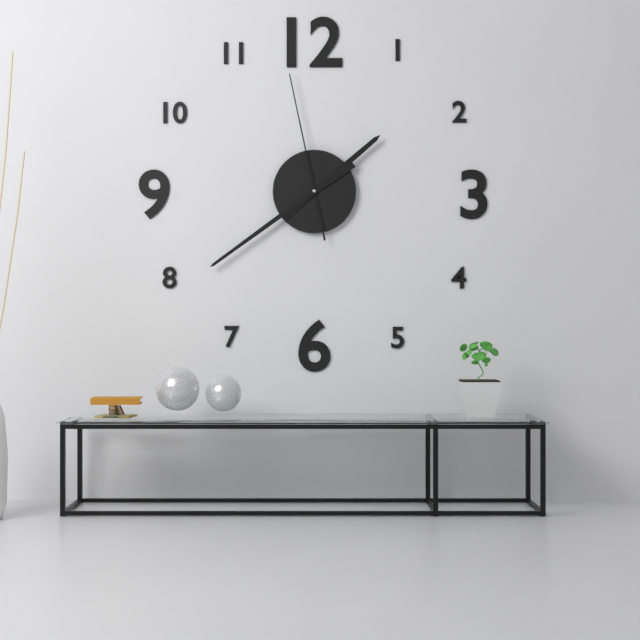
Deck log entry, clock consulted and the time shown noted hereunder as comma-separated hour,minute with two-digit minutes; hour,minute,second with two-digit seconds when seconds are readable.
1,39,58
